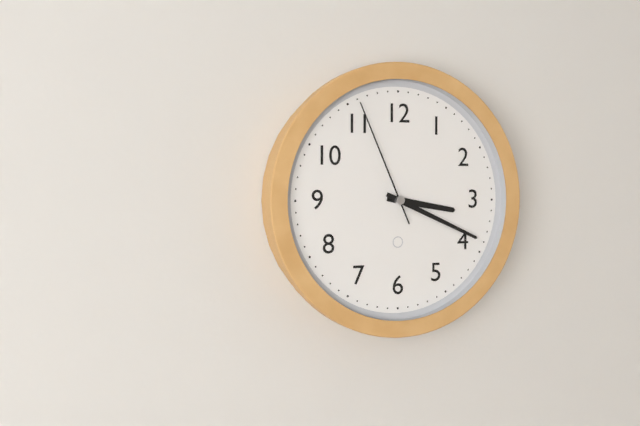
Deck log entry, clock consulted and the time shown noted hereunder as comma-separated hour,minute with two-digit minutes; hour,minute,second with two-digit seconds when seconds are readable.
3,19,56
